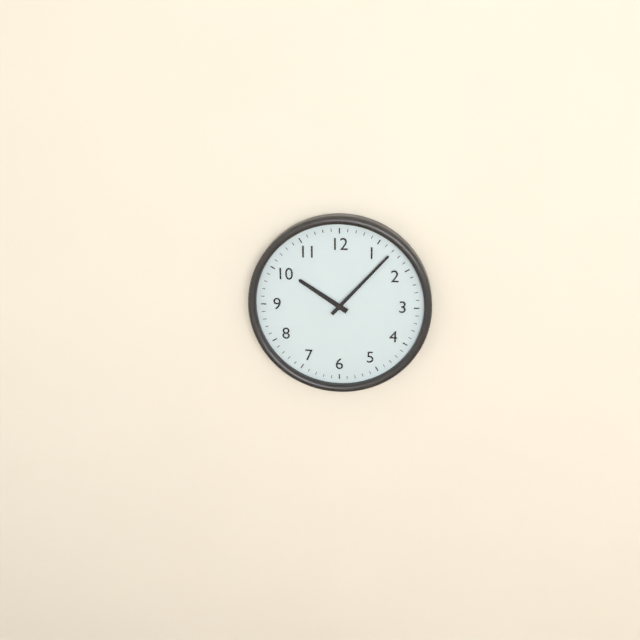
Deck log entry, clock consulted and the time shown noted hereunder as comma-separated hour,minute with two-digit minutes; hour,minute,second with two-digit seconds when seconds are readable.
10,07
